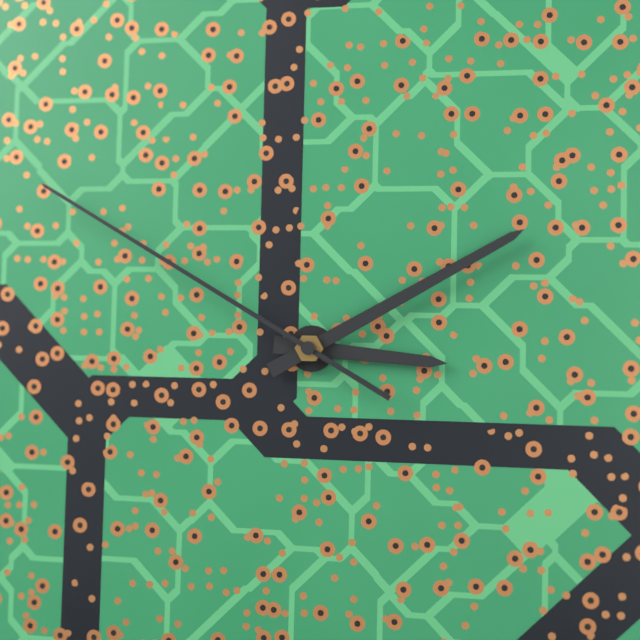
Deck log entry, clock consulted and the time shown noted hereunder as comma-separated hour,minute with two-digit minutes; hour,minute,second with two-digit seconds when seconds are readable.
3,10,50
